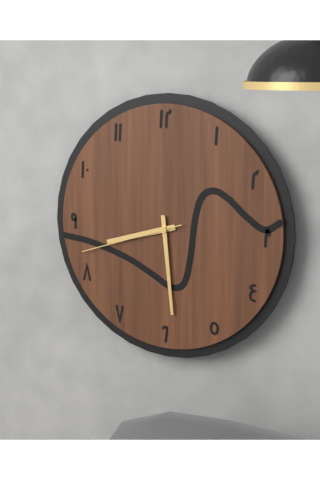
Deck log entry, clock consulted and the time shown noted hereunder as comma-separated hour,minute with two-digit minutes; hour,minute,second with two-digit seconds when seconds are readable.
8,29,42
